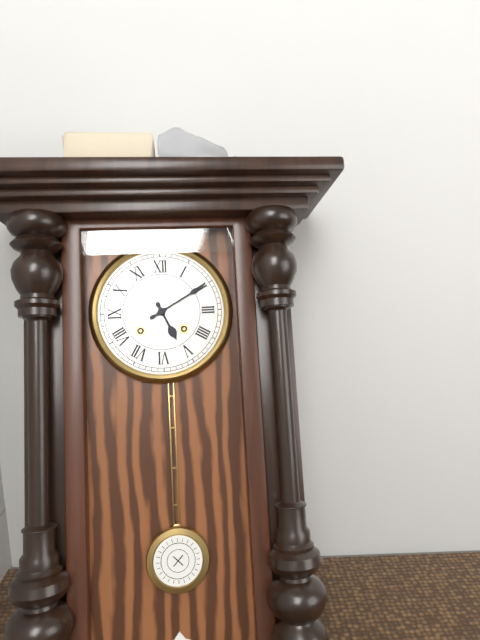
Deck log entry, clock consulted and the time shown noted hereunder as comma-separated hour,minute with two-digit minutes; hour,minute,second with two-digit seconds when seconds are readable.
5,10
